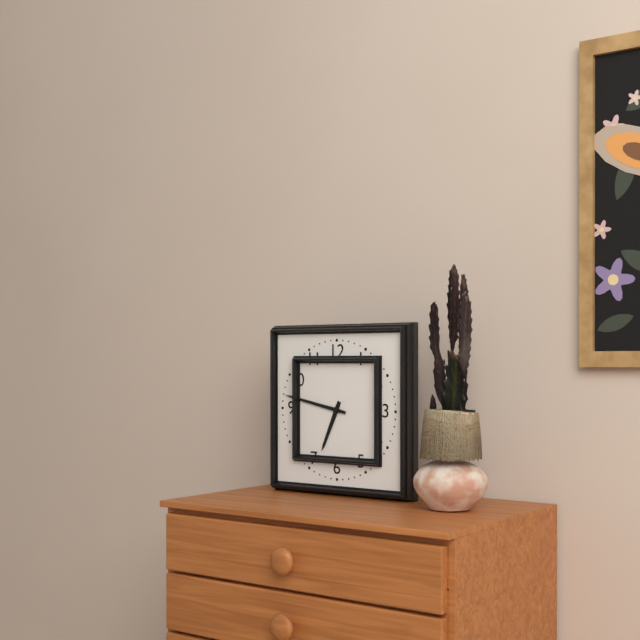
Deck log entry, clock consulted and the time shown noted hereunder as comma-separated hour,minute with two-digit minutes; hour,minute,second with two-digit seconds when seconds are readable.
6,47
